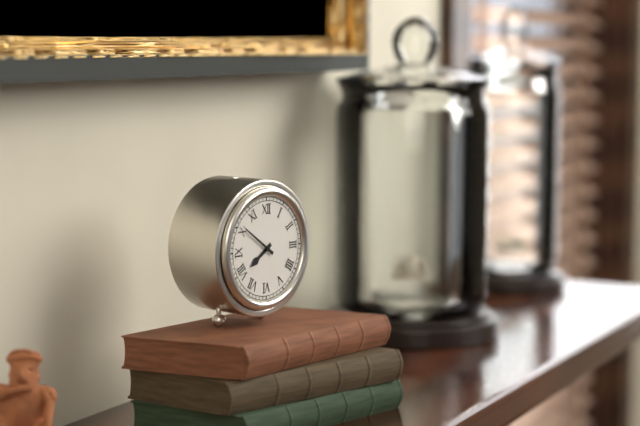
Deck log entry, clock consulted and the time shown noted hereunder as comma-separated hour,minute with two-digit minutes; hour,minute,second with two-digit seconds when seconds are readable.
7,51
